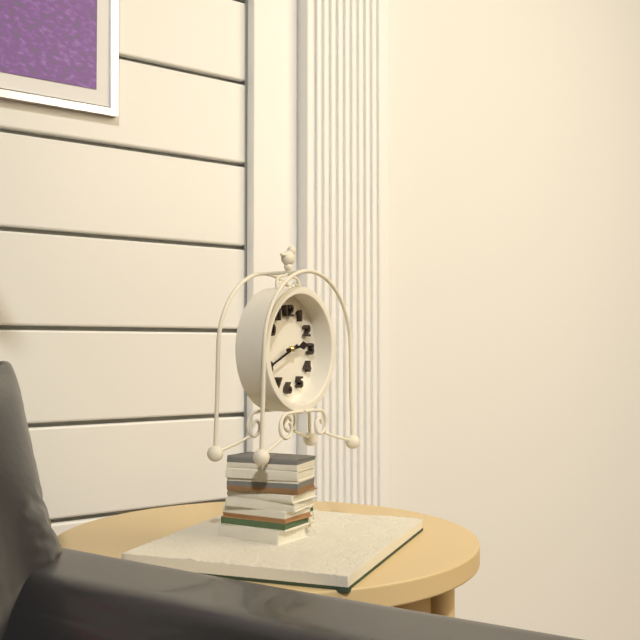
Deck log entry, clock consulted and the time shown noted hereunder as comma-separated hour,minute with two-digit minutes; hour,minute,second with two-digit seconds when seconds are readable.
2,41
